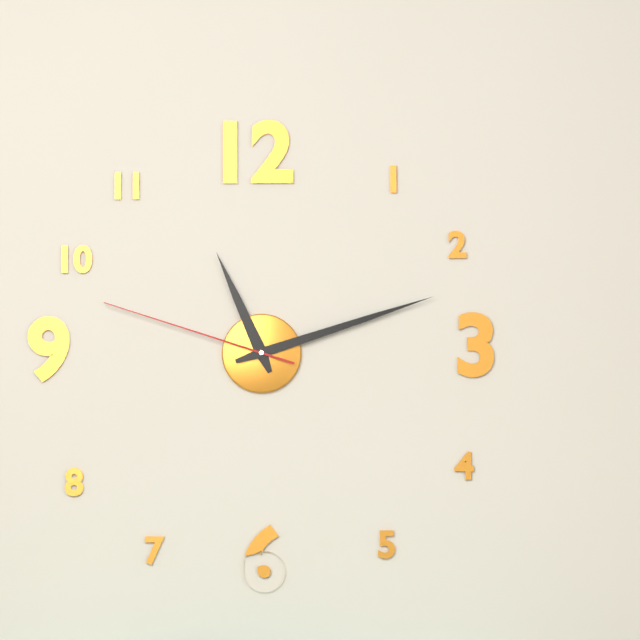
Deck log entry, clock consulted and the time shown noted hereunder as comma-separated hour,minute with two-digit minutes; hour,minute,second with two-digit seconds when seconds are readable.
11,12,48
